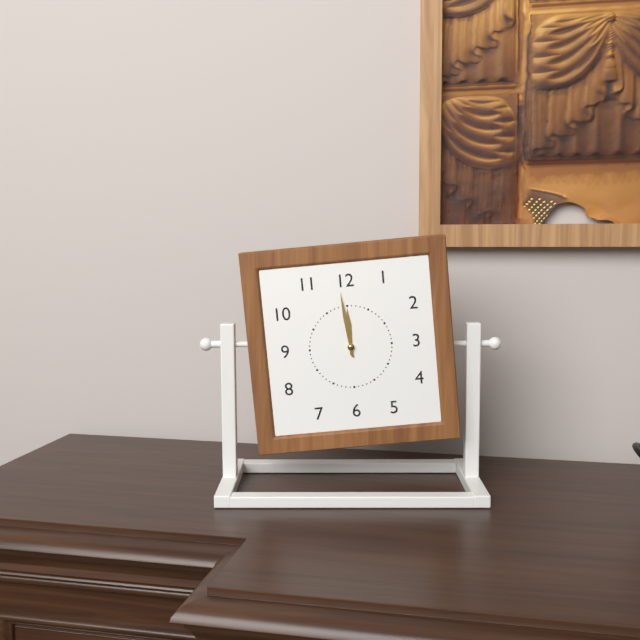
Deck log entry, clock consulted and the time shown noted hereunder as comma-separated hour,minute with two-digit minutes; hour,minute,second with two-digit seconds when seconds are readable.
11,59
